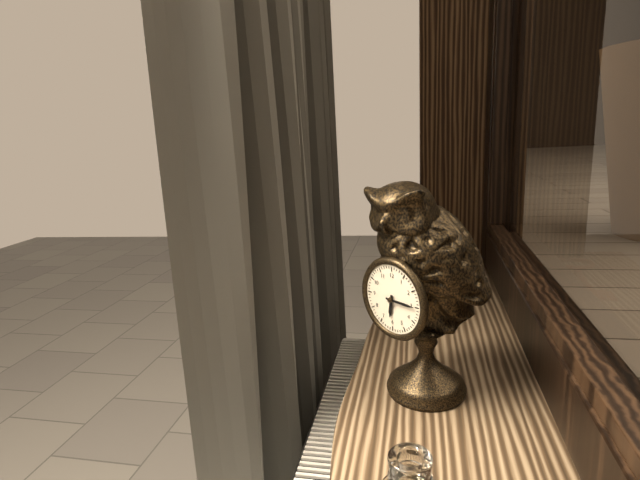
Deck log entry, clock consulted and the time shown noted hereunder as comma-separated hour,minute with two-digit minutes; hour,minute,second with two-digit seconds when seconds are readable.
6,15
